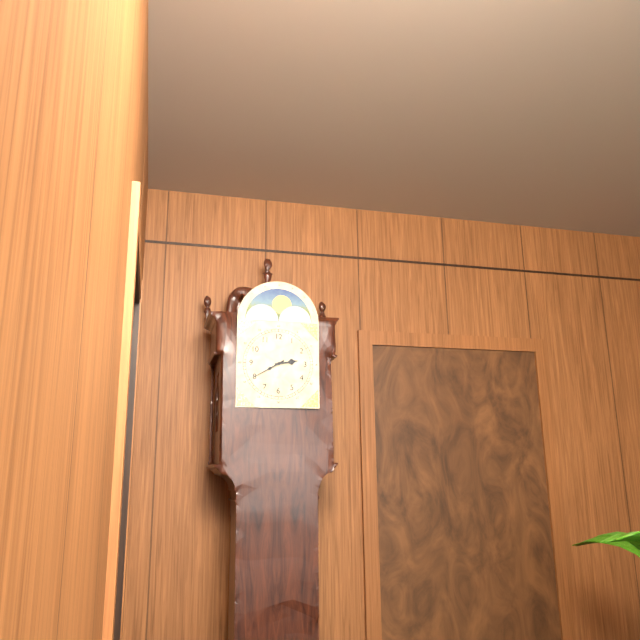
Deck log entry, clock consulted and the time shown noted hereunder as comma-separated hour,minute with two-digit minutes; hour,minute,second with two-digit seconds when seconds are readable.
2,40
